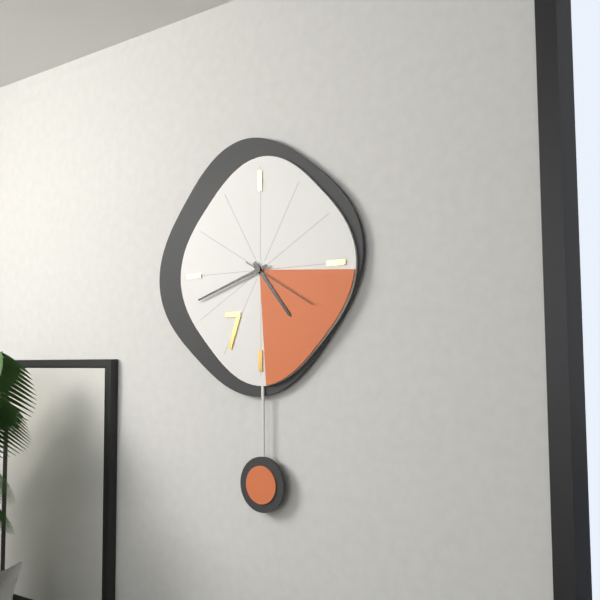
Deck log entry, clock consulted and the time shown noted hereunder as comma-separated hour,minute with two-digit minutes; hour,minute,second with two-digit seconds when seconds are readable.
4,42,20
